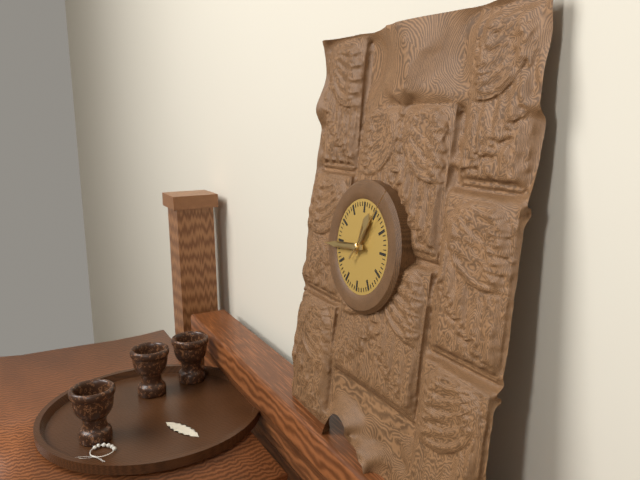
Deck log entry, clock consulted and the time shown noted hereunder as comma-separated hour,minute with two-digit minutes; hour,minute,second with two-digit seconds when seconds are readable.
12,44,06
